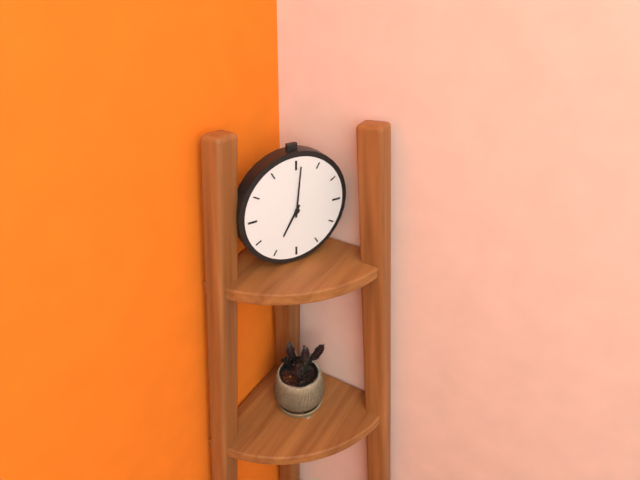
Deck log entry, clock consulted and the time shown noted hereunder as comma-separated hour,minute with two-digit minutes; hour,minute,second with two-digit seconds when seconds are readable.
7,01
